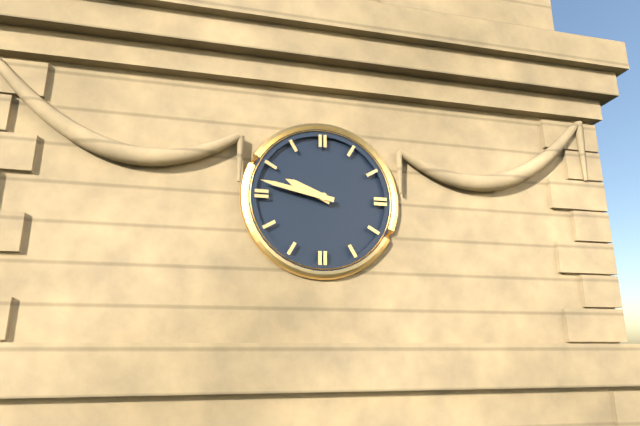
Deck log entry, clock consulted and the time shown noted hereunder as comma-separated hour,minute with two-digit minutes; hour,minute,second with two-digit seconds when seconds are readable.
9,47
